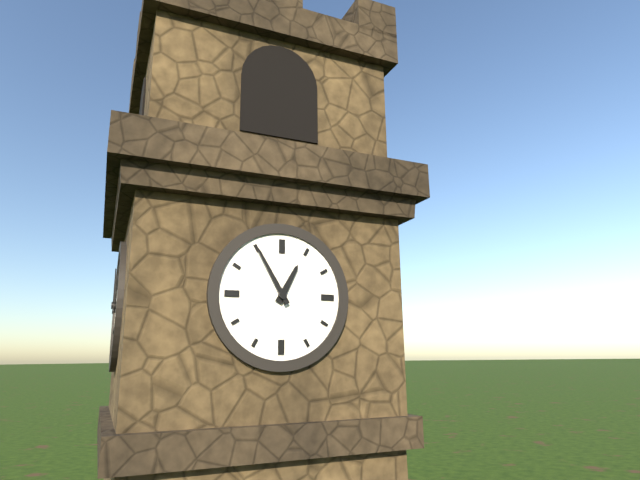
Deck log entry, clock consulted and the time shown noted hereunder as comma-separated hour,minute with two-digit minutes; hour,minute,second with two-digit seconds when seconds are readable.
12,55
